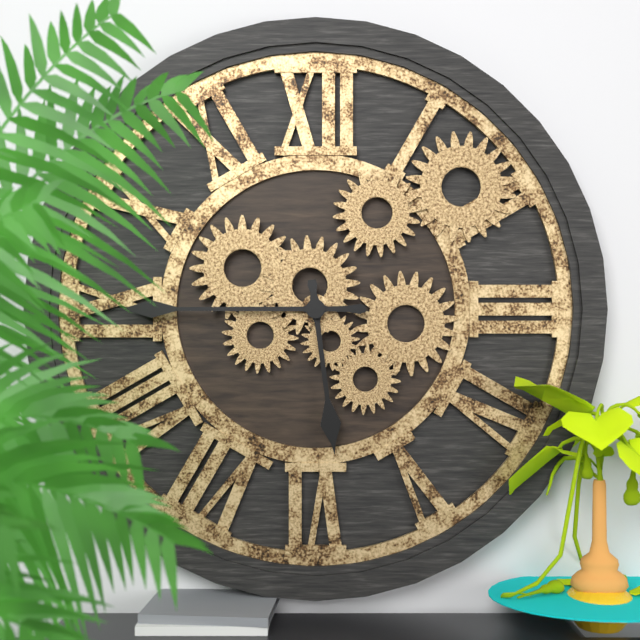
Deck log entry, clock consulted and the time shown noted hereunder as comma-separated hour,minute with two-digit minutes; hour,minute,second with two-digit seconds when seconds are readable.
5,45
